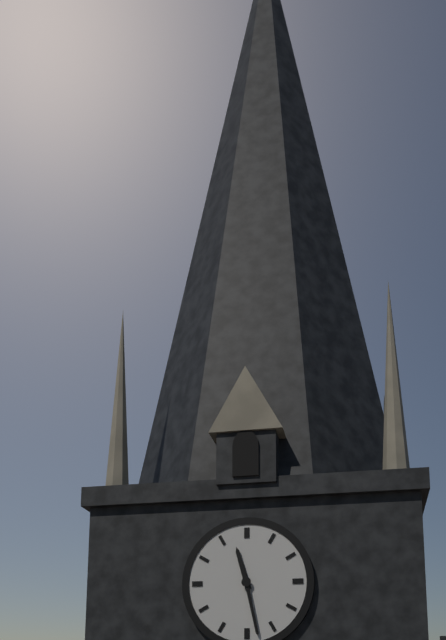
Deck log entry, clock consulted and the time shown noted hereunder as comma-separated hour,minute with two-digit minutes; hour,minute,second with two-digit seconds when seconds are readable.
11,28
